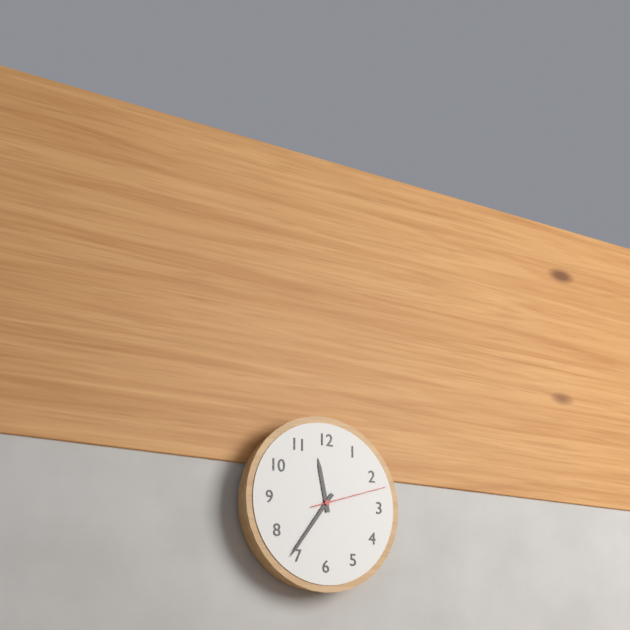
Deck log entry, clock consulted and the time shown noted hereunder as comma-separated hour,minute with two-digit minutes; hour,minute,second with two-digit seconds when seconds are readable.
11,36,12
